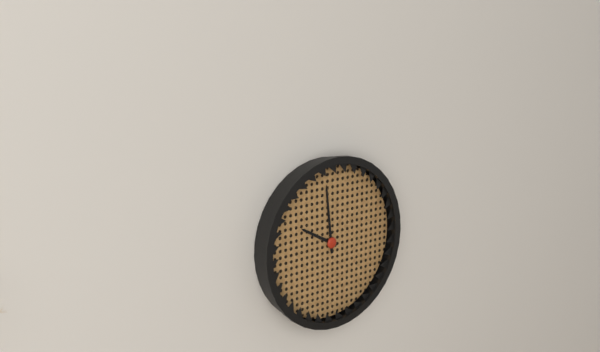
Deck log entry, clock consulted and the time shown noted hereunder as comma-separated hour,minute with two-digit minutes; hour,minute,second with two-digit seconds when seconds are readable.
9,59
